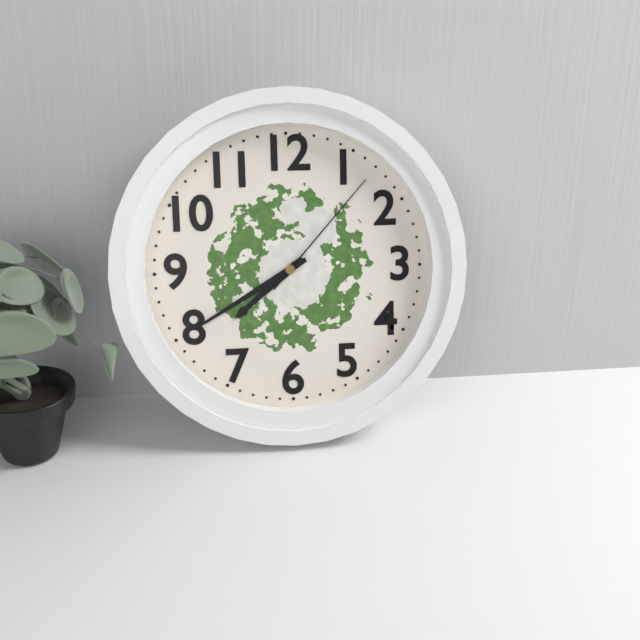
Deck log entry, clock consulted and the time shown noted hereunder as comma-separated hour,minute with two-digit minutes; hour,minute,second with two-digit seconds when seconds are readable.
7,40,07
